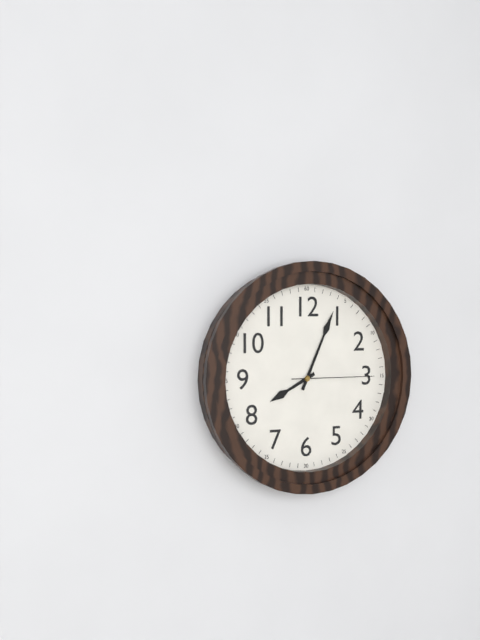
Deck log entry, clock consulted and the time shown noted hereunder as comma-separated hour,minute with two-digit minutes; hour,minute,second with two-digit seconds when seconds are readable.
8,04,15
